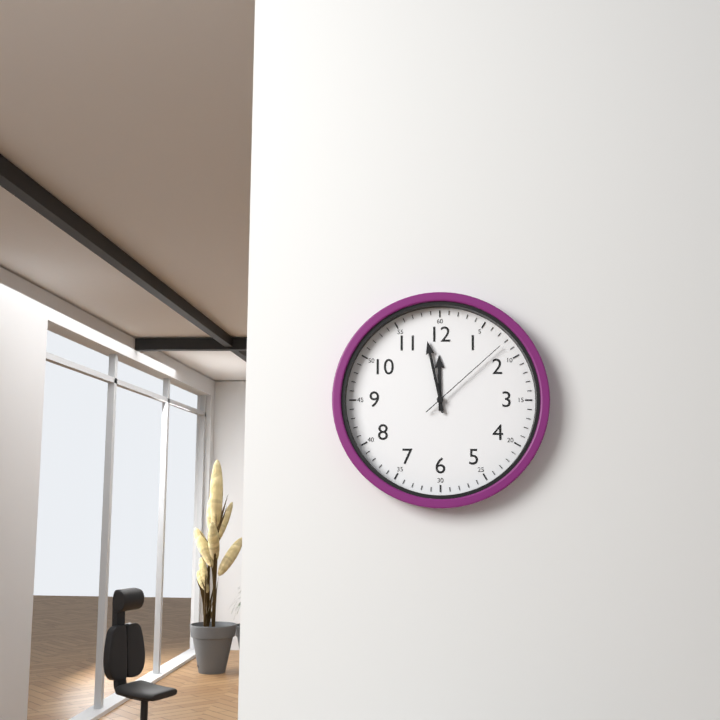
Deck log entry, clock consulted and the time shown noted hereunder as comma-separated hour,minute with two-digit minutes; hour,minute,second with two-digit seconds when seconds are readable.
11,58,08
